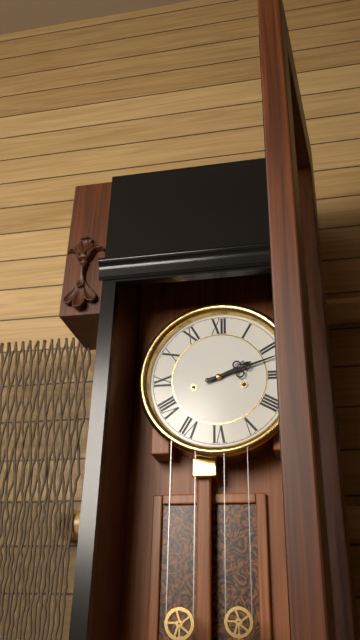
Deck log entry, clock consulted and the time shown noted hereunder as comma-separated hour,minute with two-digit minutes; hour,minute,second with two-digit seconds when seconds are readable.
2,12
